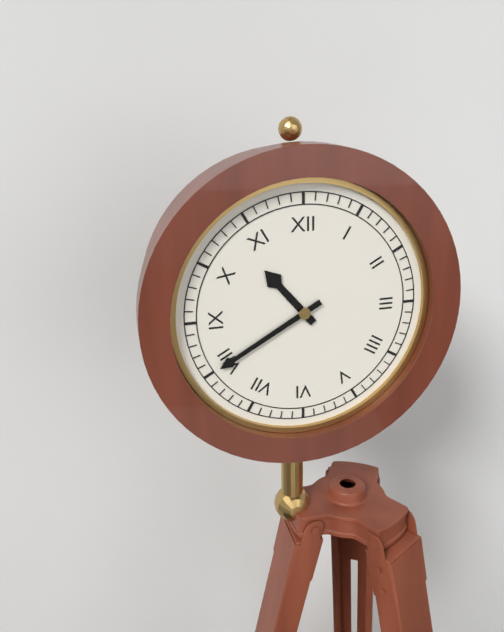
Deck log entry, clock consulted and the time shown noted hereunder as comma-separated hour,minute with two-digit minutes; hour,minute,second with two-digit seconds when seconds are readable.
10,40
